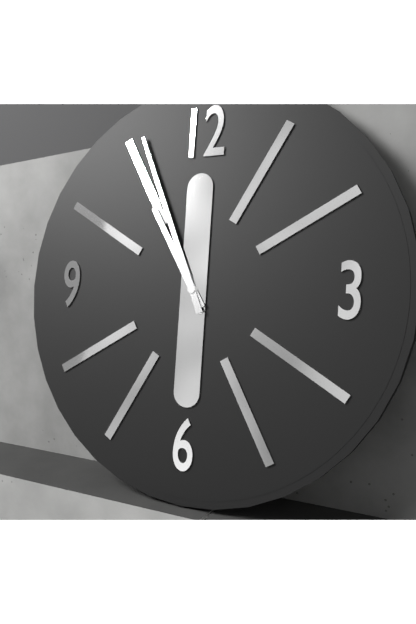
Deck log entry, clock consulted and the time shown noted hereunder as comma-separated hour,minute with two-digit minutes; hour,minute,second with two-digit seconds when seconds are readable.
10,56
